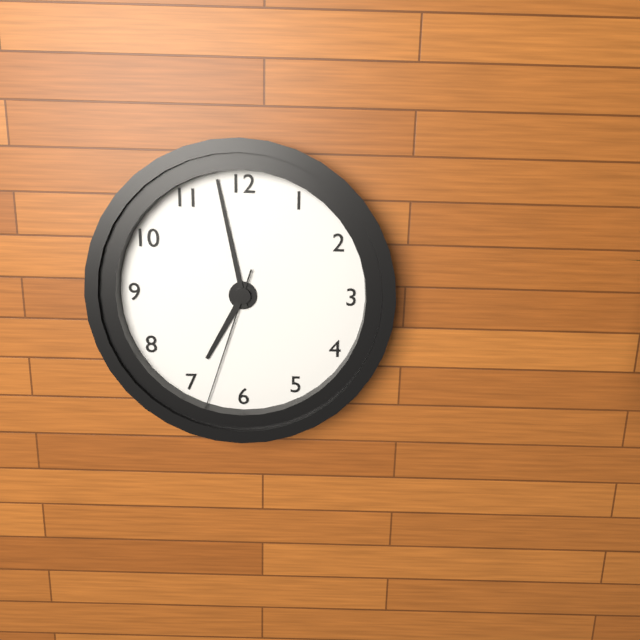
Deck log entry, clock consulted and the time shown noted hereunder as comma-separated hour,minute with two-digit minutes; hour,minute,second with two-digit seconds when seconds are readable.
6,58,33
